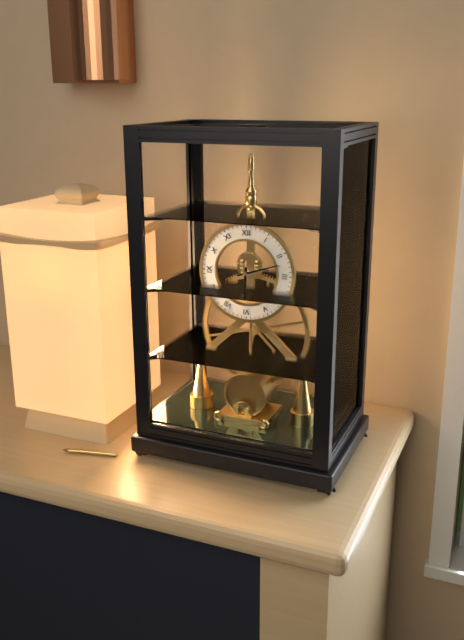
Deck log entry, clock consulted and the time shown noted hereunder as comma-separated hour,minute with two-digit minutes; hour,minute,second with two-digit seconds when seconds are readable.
6,12
